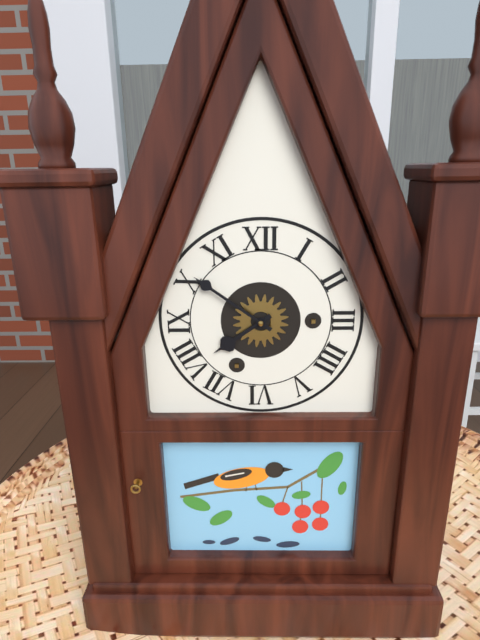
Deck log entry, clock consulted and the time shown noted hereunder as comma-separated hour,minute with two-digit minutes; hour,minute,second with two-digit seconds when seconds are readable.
7,51
